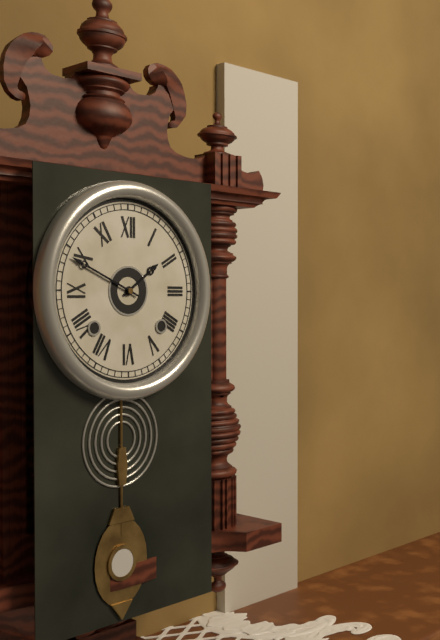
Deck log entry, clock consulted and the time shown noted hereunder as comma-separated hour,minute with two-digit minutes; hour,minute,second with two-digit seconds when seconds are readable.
1,49
